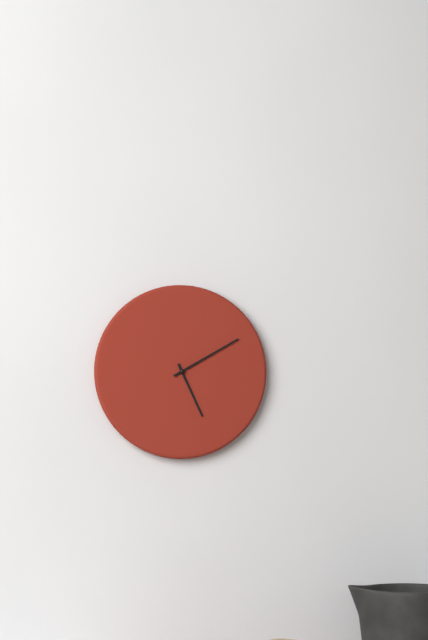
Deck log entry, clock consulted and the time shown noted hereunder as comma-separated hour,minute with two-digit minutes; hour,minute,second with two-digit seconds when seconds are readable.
5,10
